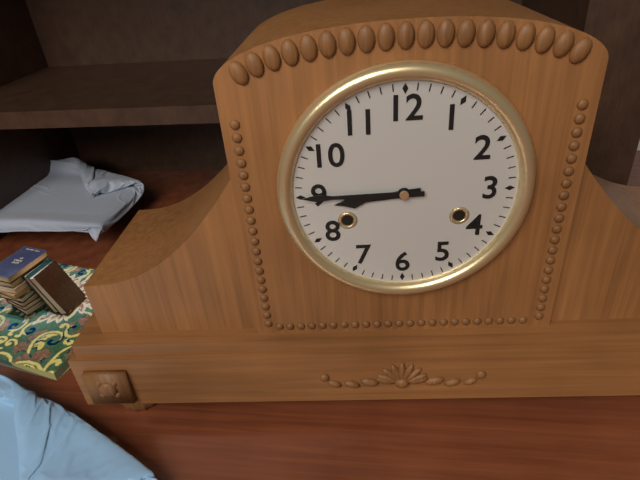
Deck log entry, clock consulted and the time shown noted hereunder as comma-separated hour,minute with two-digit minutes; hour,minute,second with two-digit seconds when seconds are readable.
8,45
